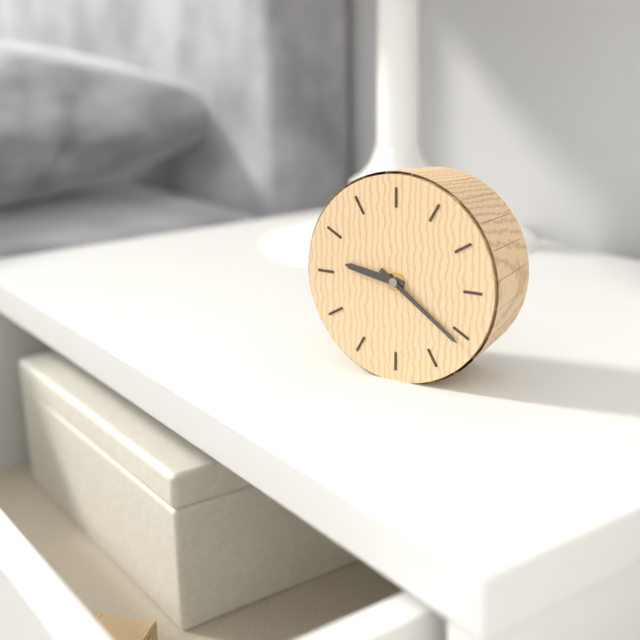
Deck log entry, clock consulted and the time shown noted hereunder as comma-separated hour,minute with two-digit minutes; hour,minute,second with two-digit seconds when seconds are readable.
9,21
